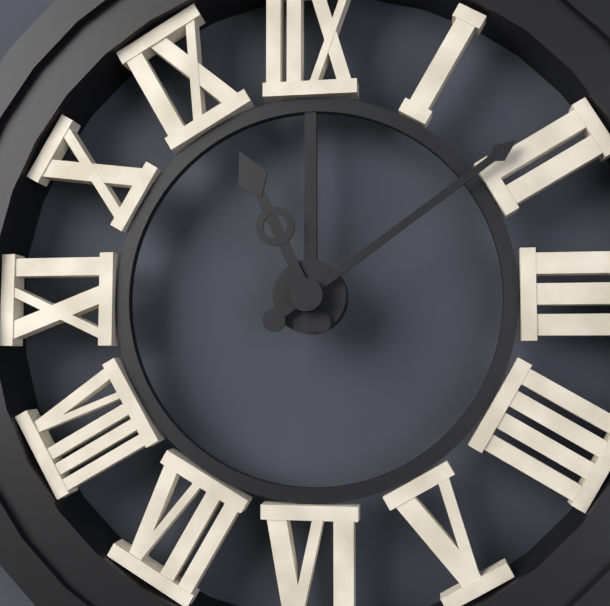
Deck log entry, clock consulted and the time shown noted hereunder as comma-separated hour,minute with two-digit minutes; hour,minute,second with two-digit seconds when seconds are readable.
11,09
